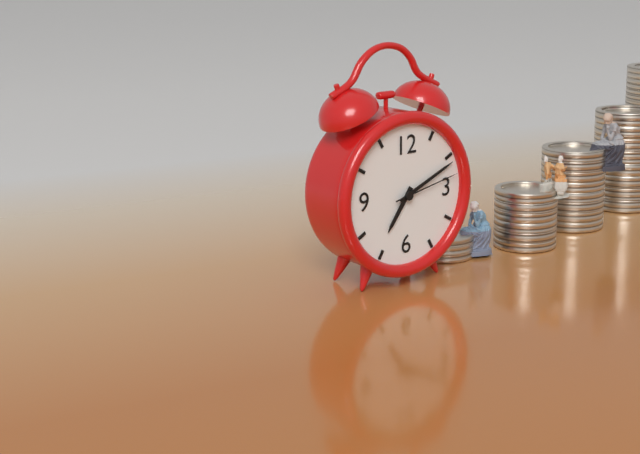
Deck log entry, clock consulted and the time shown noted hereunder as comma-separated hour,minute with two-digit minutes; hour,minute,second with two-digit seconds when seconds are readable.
7,11,13
